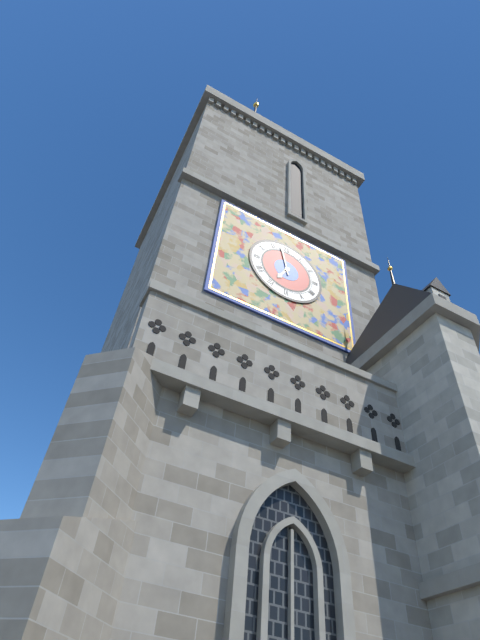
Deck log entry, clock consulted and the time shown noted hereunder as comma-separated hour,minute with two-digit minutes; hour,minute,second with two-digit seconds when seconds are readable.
6,58
